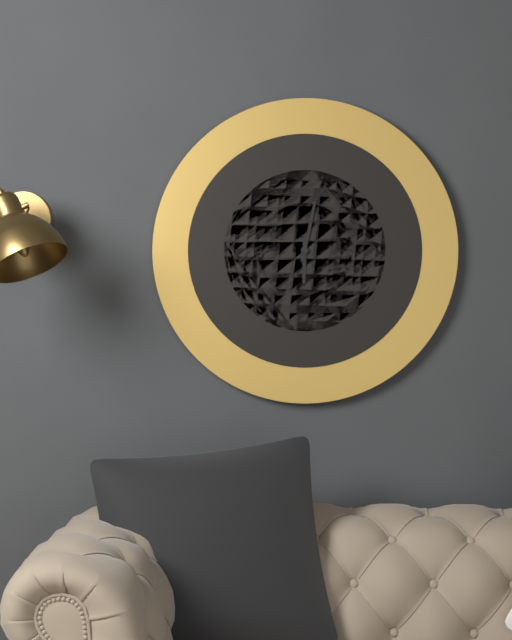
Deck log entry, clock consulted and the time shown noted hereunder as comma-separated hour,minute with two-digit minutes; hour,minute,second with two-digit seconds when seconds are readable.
6,02
